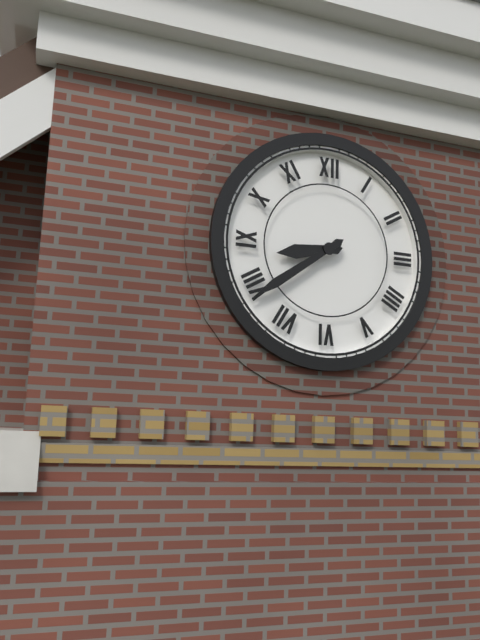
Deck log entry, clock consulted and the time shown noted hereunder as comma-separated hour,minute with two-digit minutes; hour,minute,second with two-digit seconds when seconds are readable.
8,39
